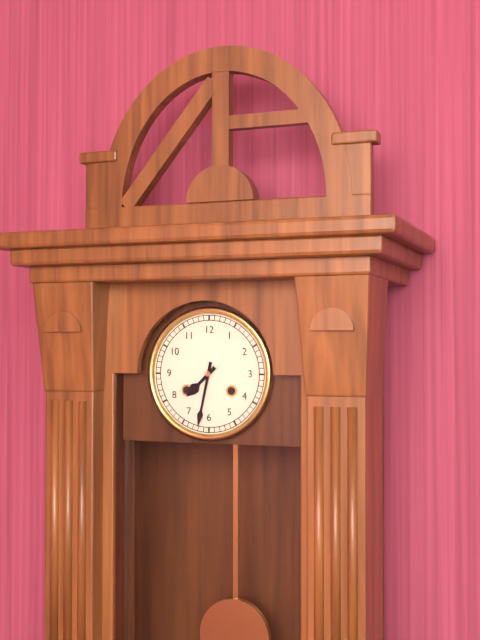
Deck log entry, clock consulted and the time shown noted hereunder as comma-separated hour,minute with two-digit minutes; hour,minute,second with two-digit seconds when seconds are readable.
7,32
